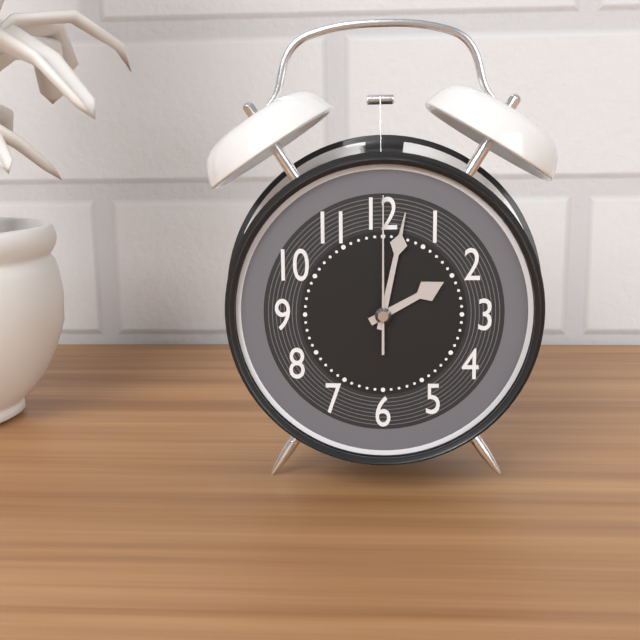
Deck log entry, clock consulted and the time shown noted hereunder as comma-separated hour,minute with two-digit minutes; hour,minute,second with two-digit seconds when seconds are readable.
2,02,00
